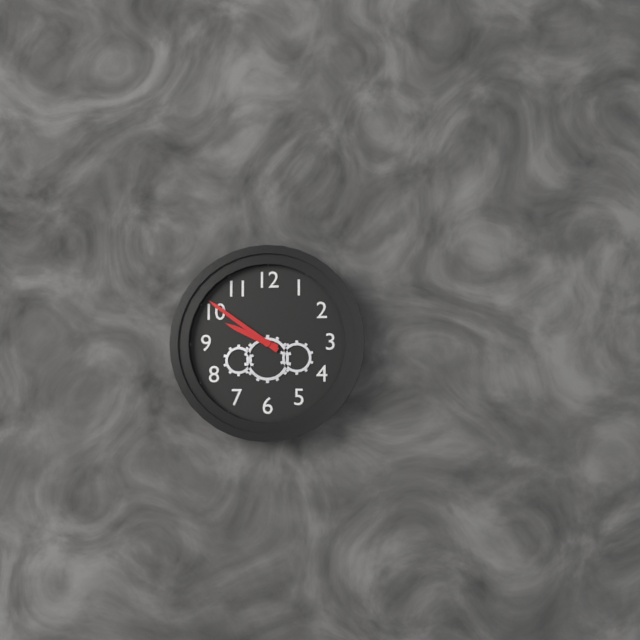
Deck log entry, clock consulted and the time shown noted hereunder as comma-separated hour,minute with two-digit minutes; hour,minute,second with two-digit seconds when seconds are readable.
9,51
